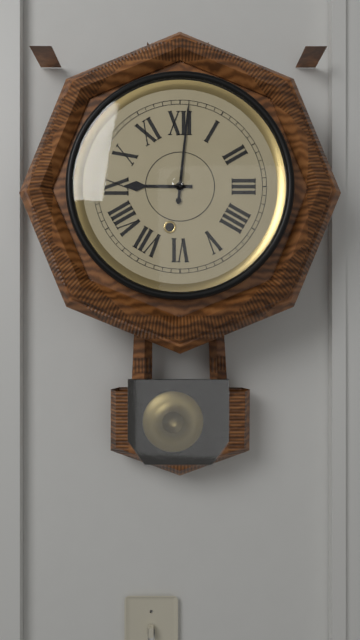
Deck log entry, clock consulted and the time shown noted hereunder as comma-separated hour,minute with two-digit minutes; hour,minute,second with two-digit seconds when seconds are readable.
9,01
